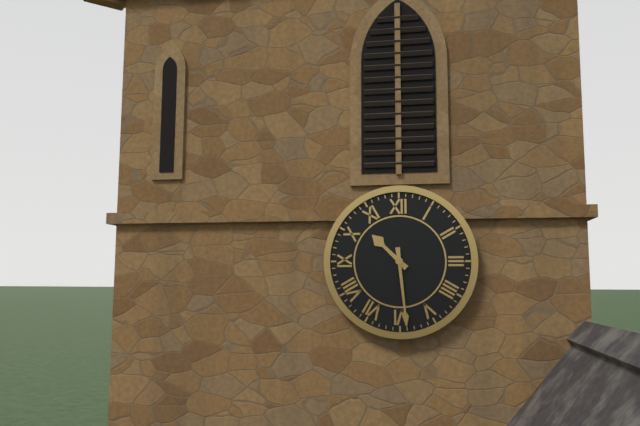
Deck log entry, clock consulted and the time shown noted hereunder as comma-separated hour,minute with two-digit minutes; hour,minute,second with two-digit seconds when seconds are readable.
10,29
